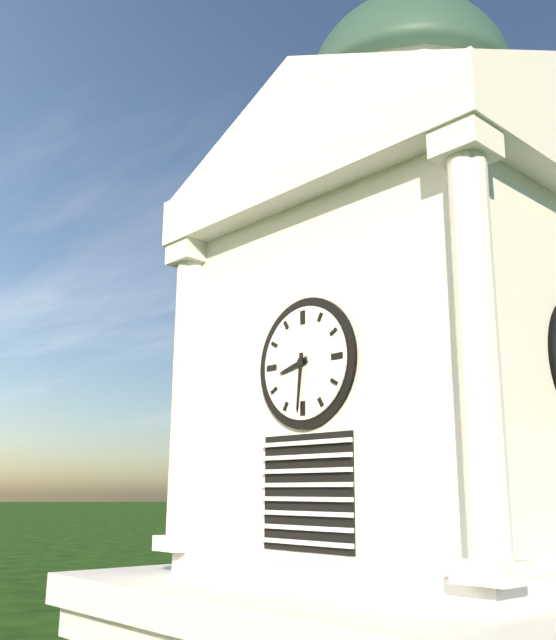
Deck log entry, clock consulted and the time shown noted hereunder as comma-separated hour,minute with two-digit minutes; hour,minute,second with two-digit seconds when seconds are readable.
8,31
